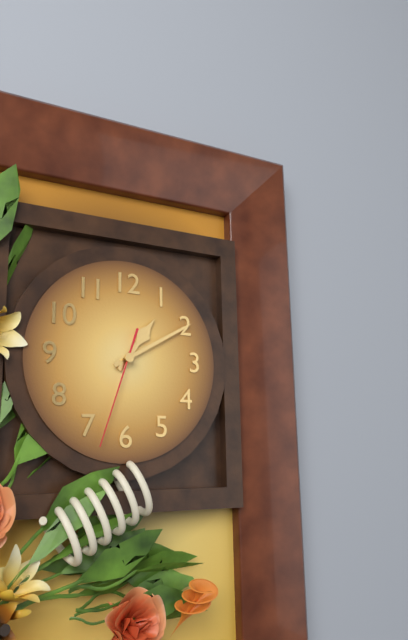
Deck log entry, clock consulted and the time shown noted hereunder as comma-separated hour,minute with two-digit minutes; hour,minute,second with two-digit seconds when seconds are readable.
1,10,33
